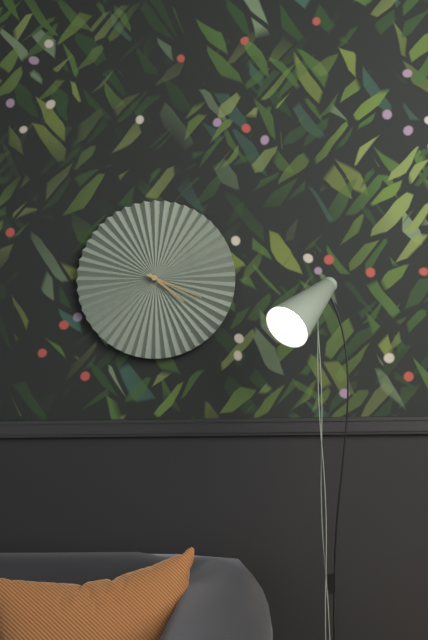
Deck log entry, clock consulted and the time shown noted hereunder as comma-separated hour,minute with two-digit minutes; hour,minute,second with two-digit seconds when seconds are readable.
4,19
